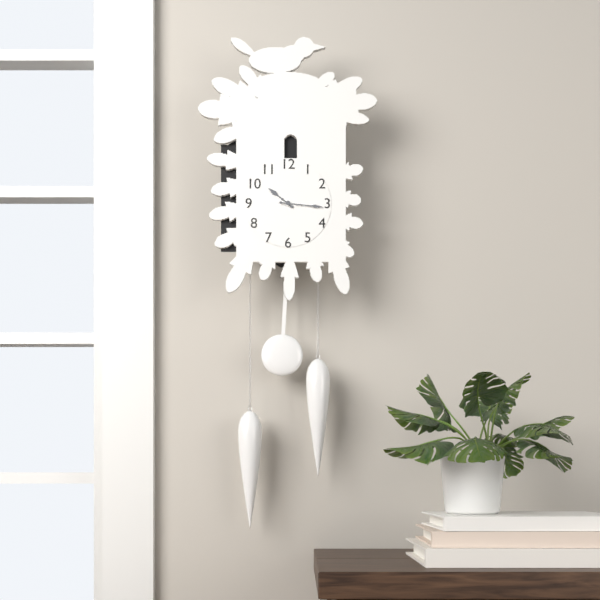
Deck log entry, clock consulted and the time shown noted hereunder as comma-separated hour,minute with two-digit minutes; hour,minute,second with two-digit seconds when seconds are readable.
10,16
